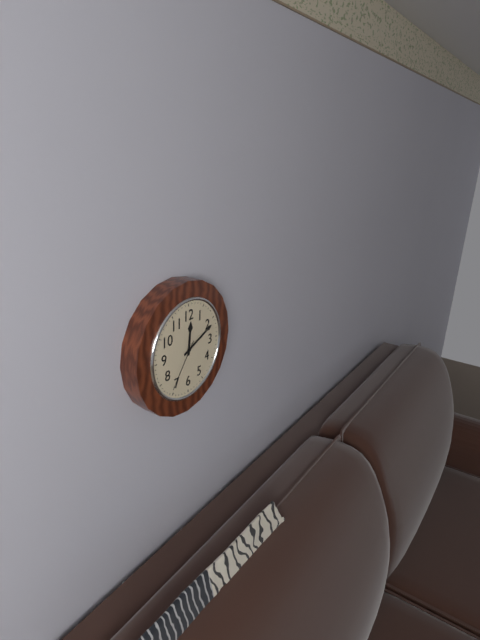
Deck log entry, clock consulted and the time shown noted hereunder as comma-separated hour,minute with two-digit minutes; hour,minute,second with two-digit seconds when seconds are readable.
12,11,36
